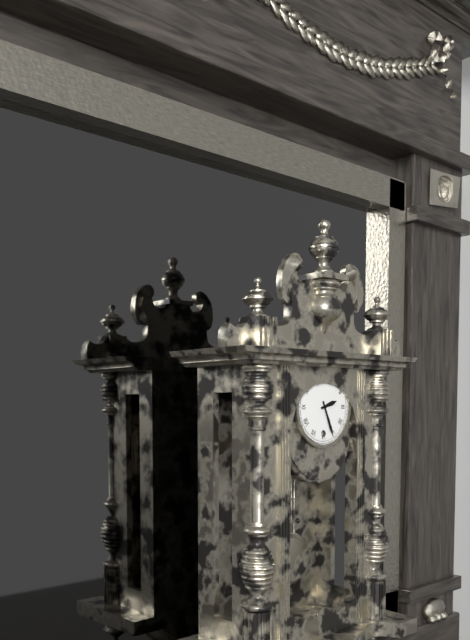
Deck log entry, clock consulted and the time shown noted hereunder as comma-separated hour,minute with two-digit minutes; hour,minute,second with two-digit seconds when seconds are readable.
2,26
